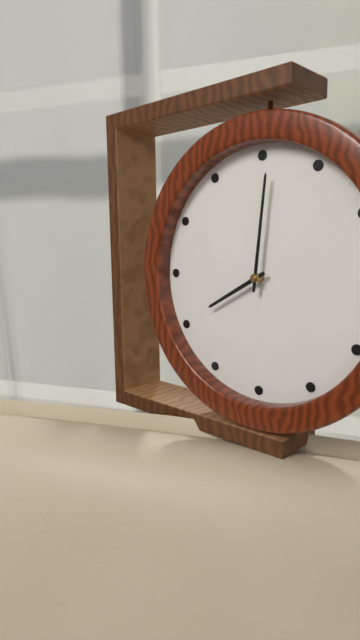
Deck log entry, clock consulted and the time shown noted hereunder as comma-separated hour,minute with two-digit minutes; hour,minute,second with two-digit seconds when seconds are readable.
8,01
